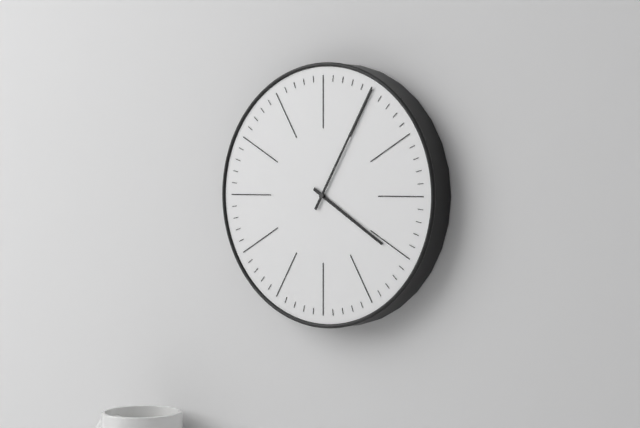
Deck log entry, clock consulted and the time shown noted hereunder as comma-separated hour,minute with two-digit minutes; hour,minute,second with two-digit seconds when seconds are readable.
4,05
